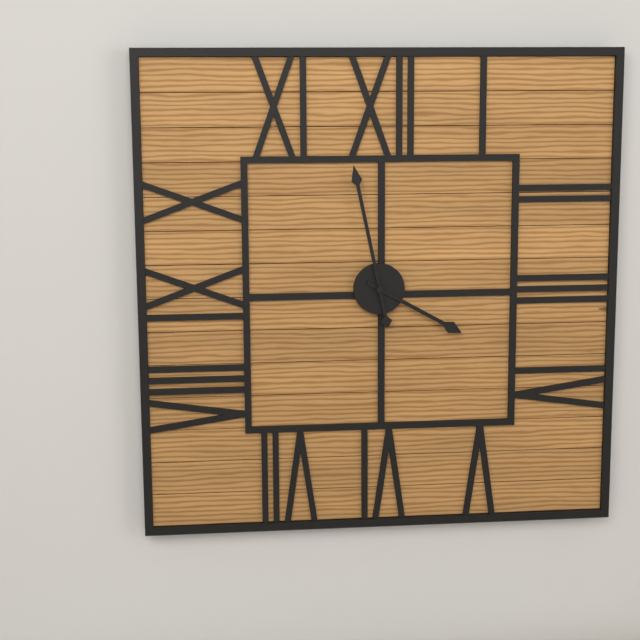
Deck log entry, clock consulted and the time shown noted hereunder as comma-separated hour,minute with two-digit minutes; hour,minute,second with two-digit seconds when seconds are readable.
3,58
